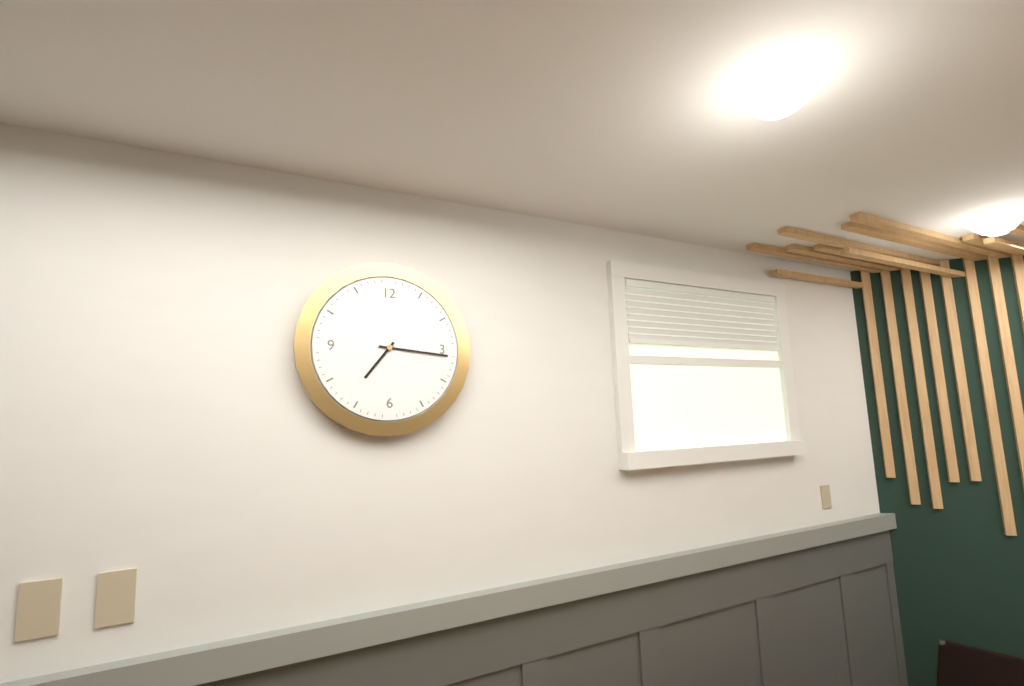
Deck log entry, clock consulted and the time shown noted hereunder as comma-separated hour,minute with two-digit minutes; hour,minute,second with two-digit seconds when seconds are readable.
7,16
